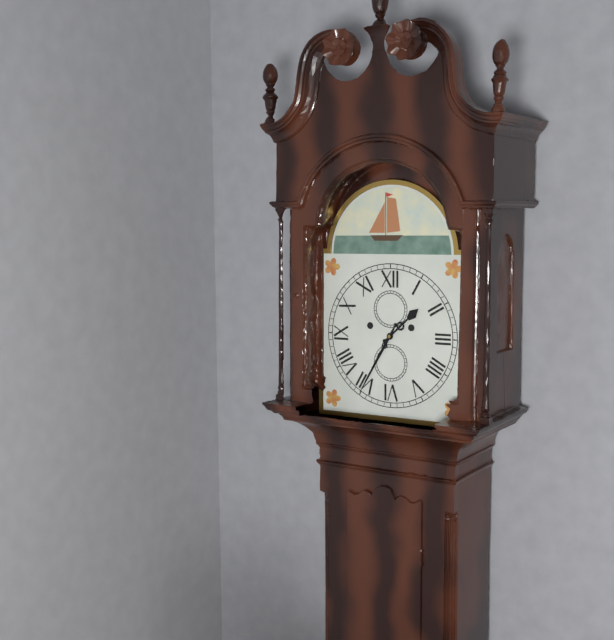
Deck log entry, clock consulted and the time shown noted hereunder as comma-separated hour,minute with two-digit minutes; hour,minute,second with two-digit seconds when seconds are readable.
1,35
